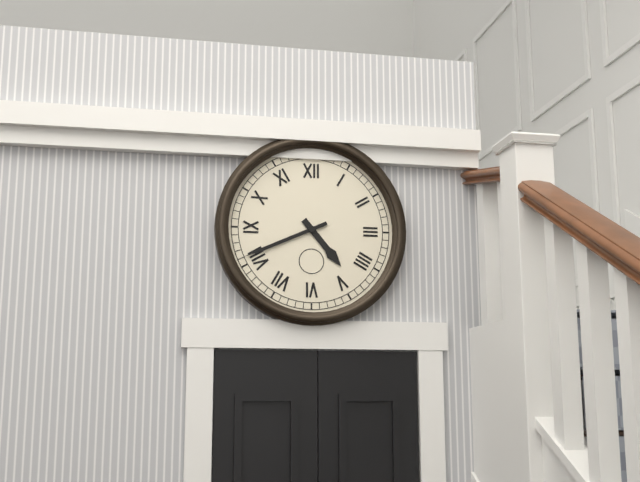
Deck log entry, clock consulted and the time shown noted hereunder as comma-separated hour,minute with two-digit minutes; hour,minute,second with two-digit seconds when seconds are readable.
4,41
